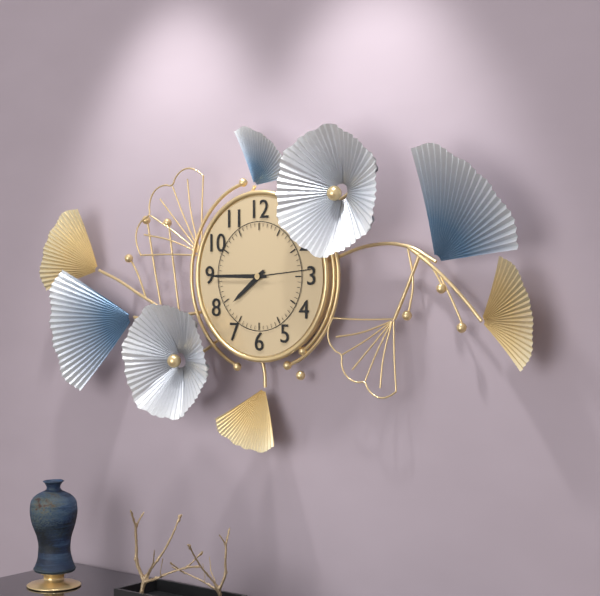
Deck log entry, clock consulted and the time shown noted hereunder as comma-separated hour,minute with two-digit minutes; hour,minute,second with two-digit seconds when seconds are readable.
7,45,14
